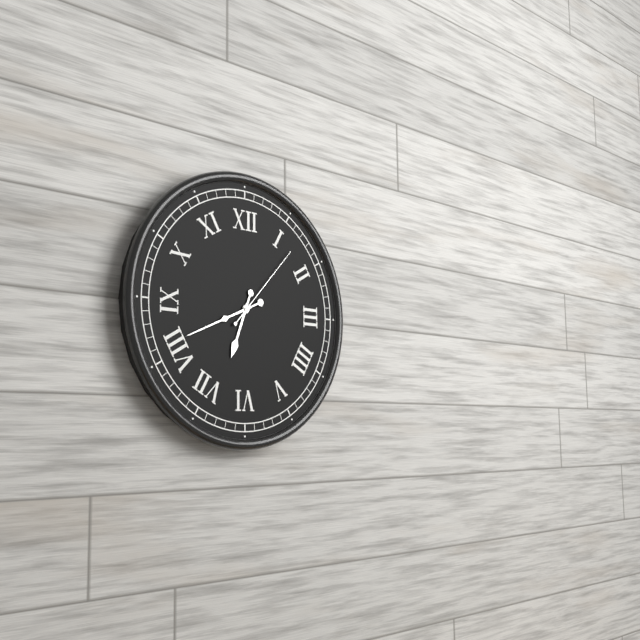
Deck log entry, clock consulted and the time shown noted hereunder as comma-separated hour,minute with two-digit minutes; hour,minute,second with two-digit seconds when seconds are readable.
6,41,07
